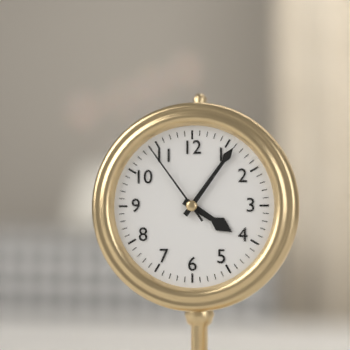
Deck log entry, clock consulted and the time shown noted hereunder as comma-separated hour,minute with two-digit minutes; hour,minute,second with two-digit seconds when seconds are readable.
4,06,54
